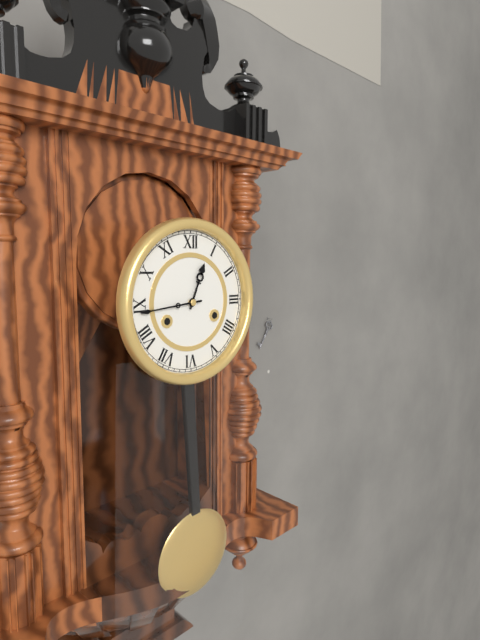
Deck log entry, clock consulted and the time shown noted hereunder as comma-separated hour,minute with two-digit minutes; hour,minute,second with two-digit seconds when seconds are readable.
12,44
